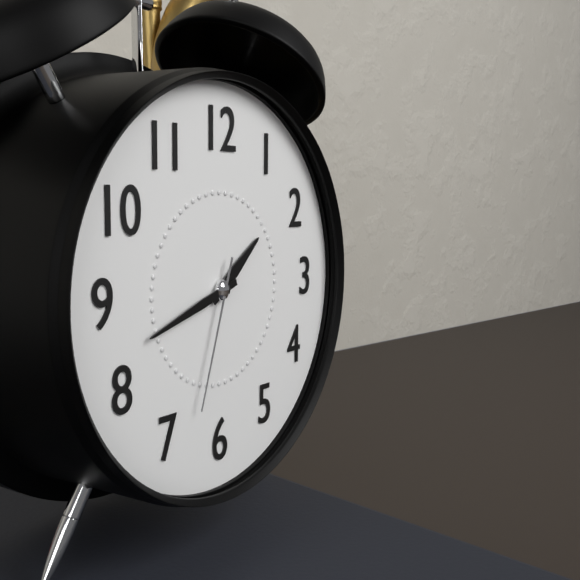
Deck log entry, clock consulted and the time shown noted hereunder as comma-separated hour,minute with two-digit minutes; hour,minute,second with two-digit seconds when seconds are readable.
1,42,33
